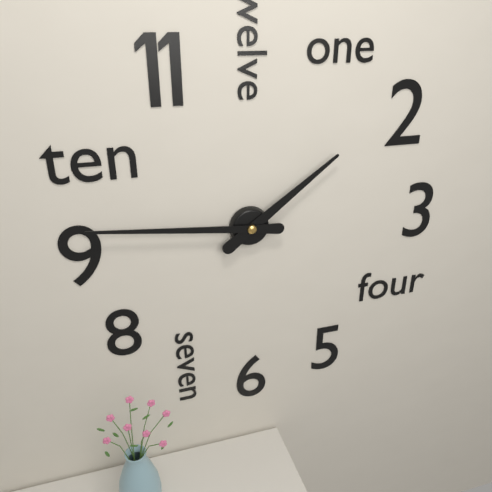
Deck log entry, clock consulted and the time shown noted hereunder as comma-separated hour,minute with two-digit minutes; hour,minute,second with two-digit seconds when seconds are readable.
1,46
